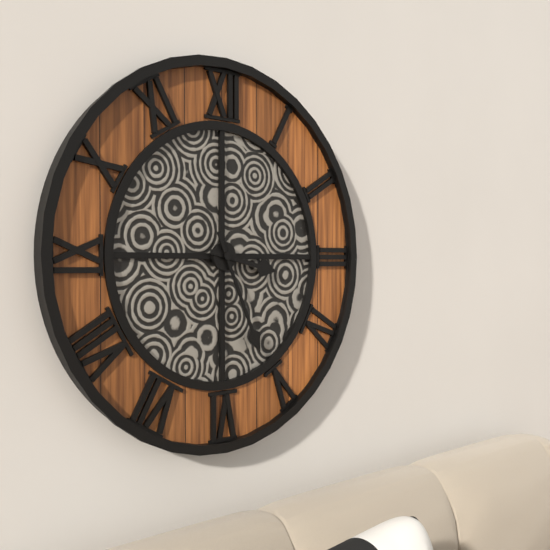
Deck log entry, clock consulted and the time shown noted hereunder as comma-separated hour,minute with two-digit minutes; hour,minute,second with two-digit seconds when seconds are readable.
3,26
